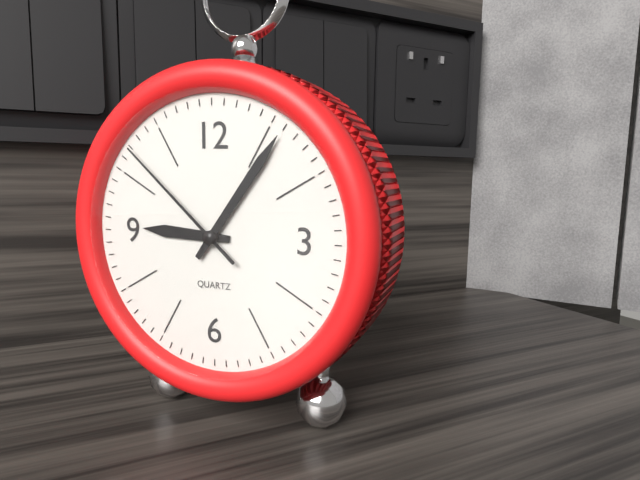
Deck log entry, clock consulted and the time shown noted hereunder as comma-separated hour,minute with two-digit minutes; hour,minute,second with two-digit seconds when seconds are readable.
9,06,52
